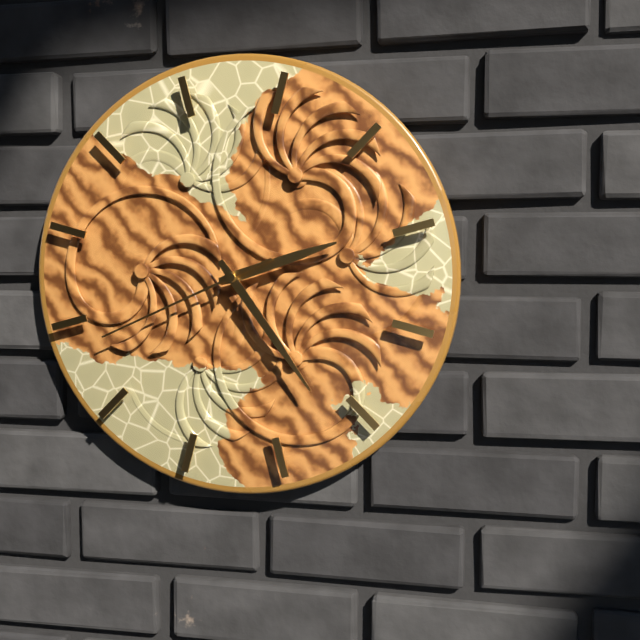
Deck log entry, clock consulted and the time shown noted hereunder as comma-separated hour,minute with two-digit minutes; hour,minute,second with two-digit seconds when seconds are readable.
2,24,41
